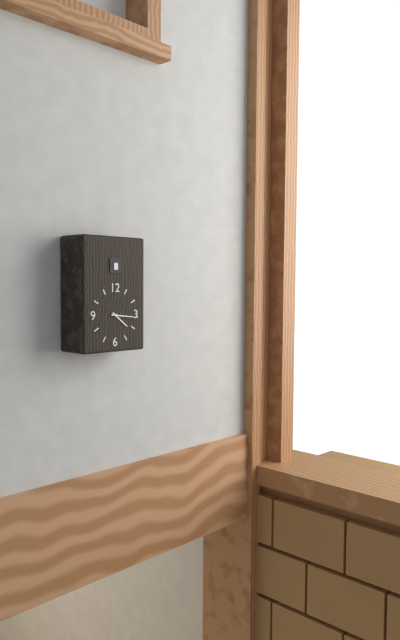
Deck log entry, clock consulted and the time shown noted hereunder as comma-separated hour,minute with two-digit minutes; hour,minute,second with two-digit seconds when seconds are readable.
4,16
